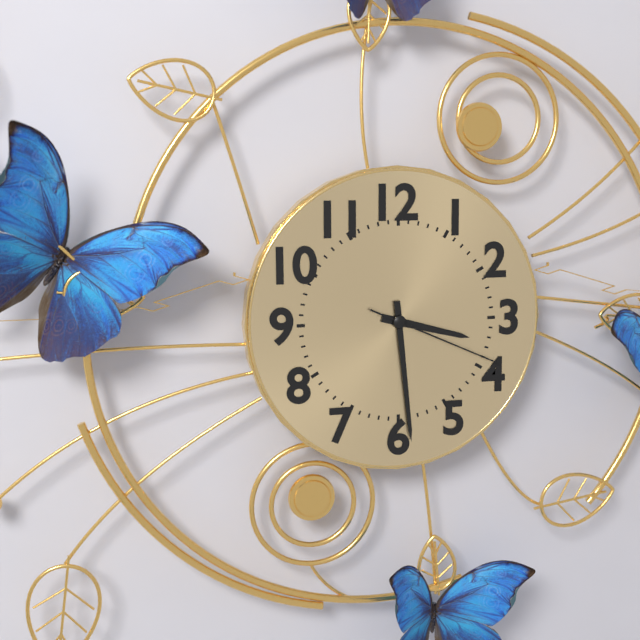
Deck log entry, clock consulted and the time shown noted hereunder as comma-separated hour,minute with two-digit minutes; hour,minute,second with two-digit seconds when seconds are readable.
3,29,19
